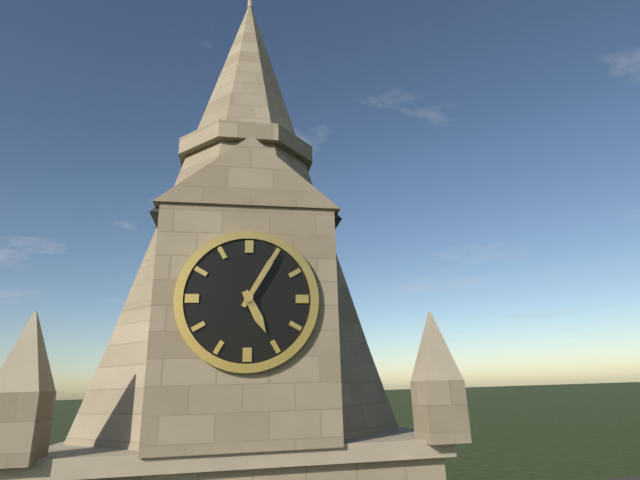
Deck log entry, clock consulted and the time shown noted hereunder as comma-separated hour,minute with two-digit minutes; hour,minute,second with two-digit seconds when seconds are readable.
5,05
